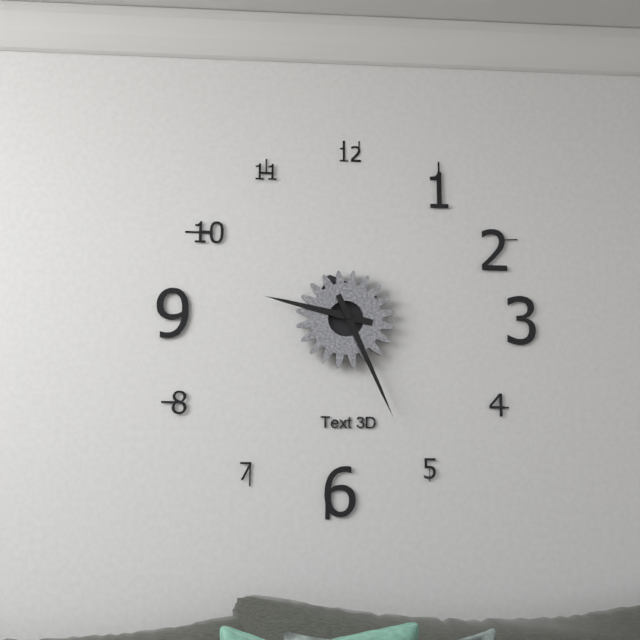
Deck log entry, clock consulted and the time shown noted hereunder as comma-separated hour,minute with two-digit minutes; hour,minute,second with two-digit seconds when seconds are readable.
9,26
